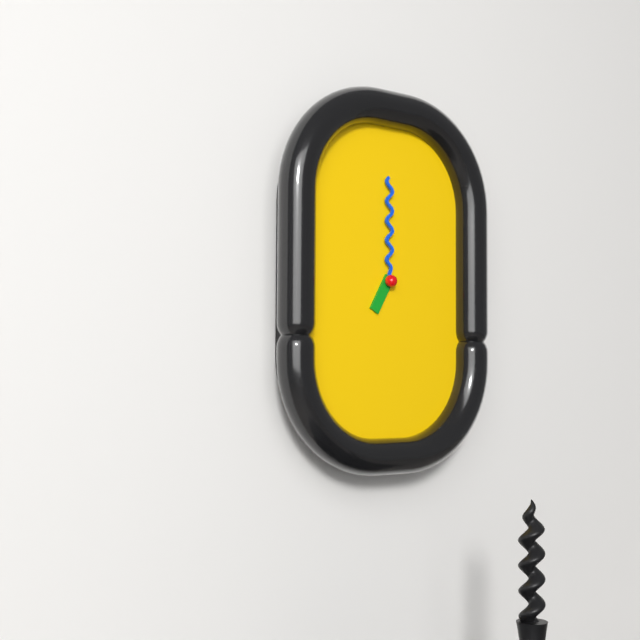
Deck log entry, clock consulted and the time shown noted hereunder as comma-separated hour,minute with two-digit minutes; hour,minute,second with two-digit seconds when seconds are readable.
7,00
